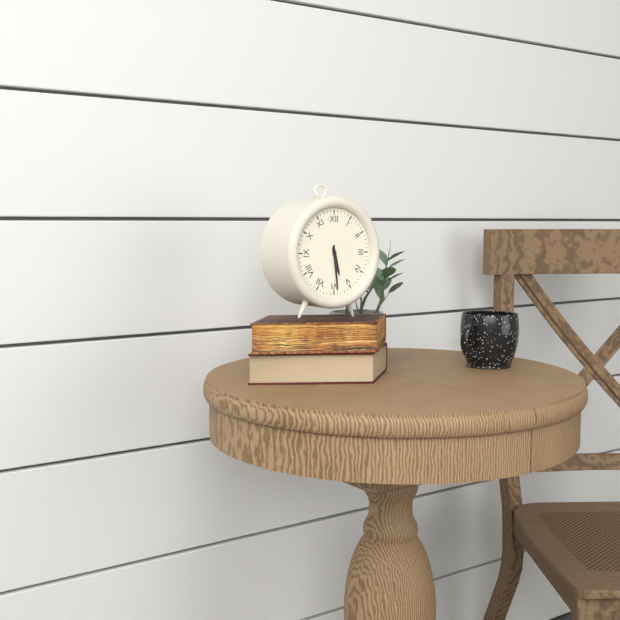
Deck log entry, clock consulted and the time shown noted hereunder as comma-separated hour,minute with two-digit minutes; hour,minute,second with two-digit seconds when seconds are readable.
5,29
